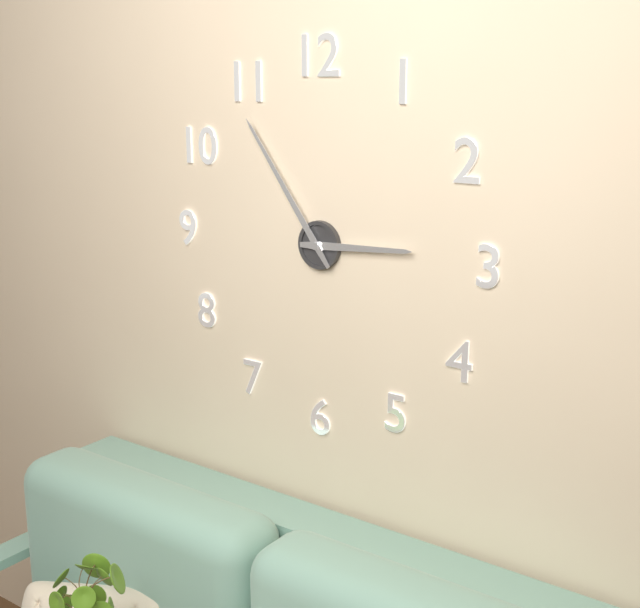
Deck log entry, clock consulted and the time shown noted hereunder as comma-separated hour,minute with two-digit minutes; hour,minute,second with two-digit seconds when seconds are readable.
2,54
